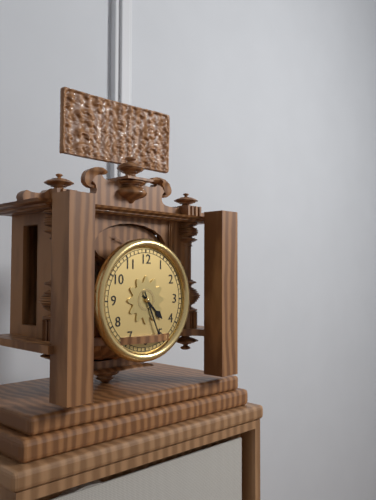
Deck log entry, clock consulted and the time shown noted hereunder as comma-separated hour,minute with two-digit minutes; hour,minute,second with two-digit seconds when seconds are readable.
4,26
